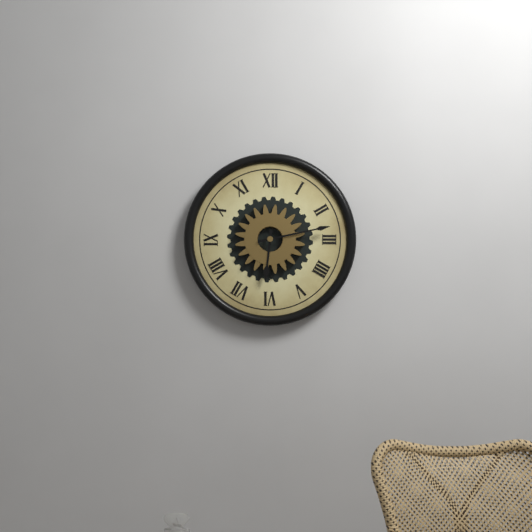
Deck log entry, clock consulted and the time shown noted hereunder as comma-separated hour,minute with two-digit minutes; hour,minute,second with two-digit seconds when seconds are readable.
6,13
